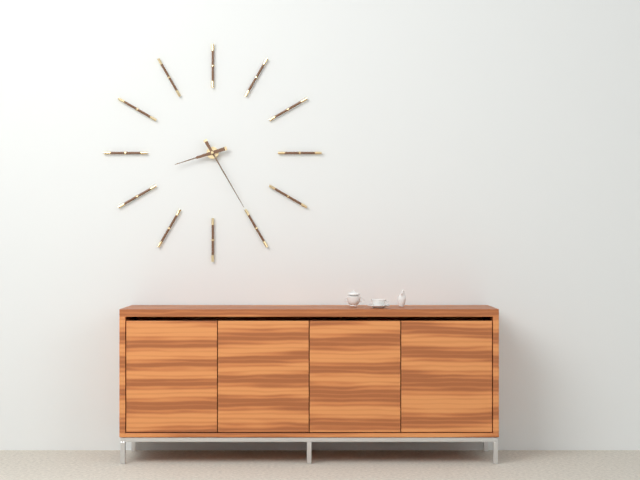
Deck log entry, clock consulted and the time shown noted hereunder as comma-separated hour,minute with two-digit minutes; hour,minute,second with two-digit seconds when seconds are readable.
8,25
